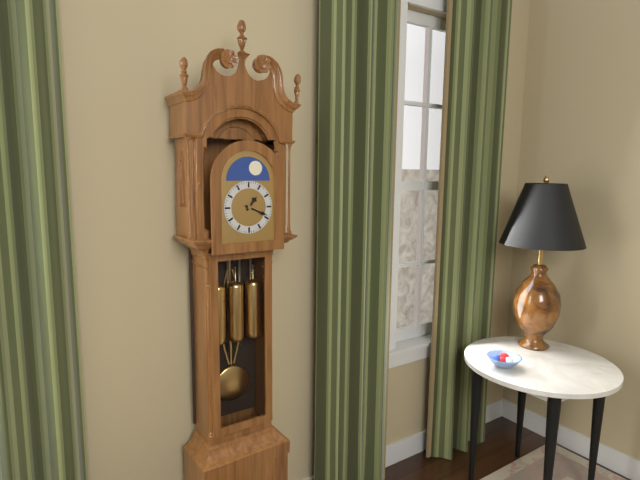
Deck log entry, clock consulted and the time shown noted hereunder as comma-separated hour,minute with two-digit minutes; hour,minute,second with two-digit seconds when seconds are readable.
1,19
